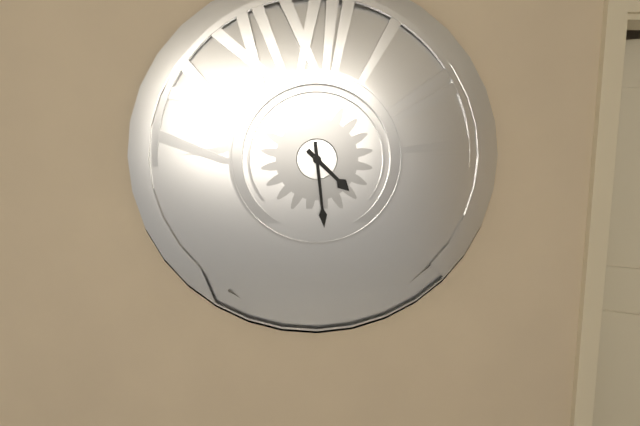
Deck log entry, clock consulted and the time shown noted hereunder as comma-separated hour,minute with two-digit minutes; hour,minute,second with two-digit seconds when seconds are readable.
4,29
